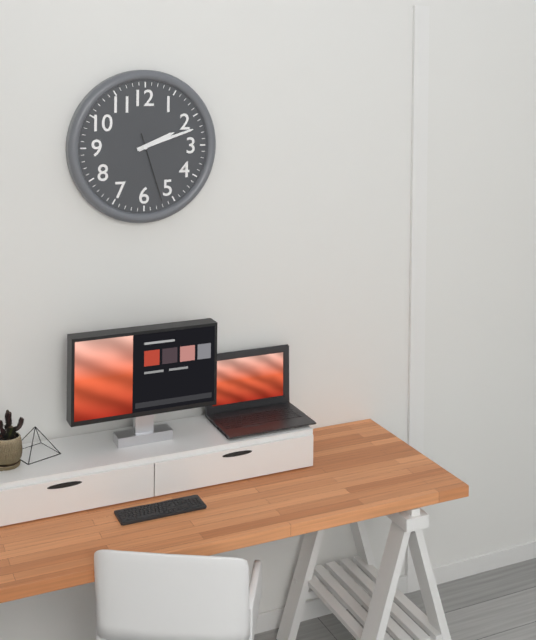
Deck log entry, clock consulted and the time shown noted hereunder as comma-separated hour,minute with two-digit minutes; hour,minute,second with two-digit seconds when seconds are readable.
2,12,27
